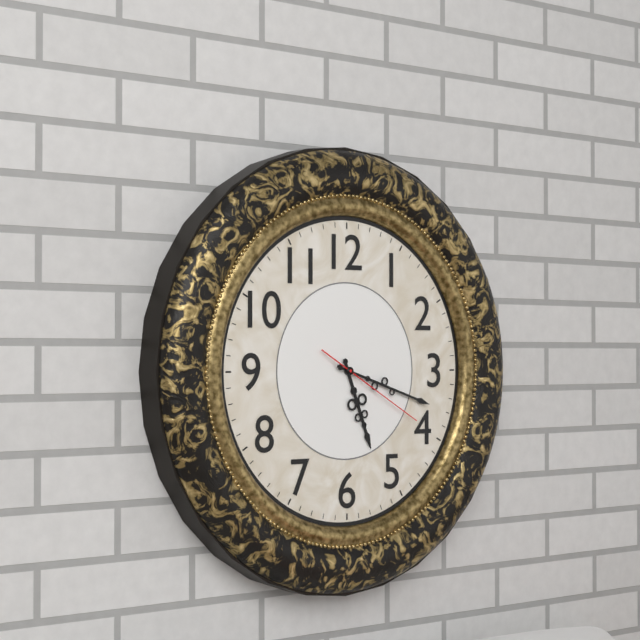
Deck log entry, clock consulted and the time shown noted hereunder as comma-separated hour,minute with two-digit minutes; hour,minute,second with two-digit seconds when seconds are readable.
5,18,20
